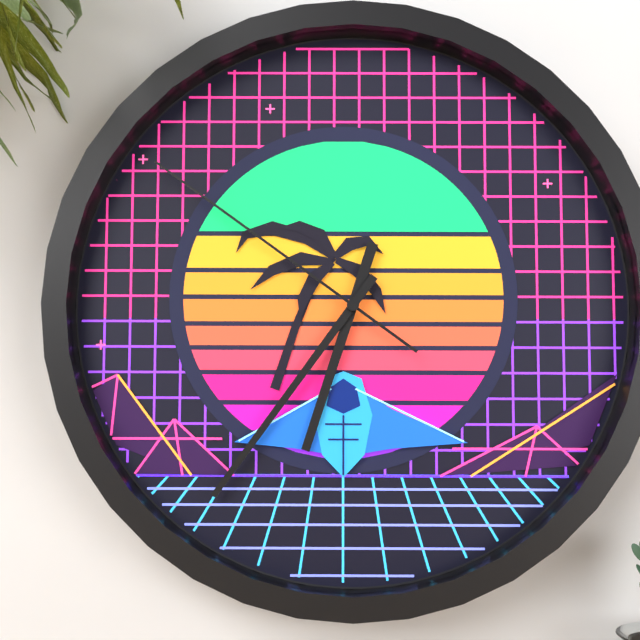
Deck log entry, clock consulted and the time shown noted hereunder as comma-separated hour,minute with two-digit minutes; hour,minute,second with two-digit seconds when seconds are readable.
6,36,51
